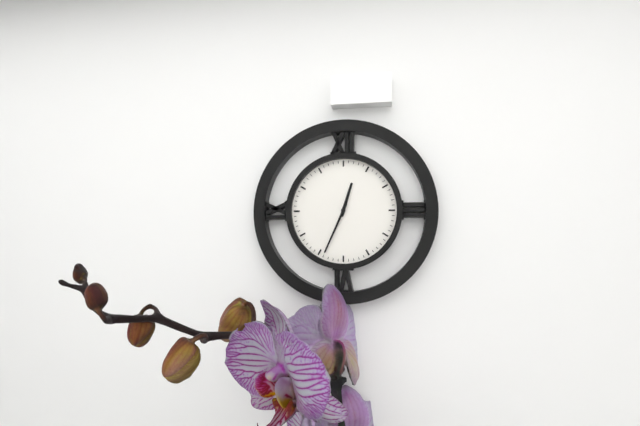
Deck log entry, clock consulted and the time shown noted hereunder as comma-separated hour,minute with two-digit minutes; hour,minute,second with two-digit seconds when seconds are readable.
12,34
